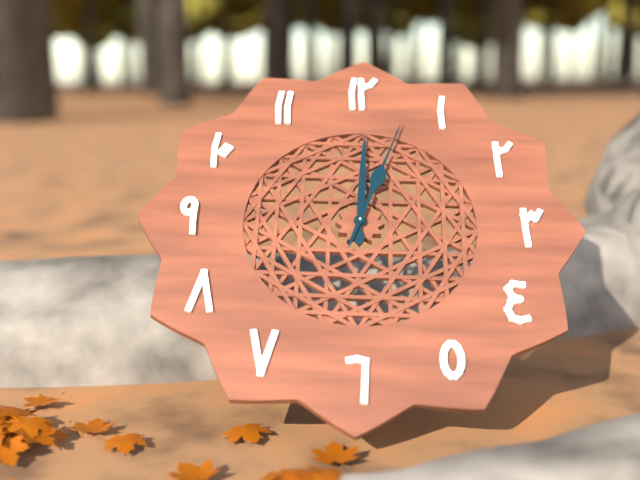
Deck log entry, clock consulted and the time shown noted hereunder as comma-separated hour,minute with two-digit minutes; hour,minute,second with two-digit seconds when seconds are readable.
12,03
